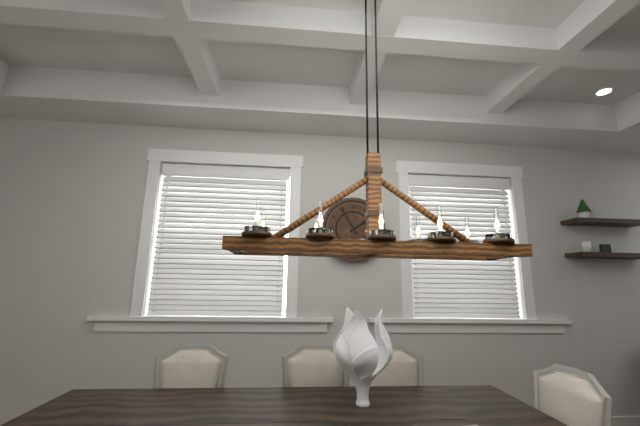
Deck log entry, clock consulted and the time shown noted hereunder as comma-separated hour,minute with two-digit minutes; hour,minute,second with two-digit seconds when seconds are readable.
1,55
